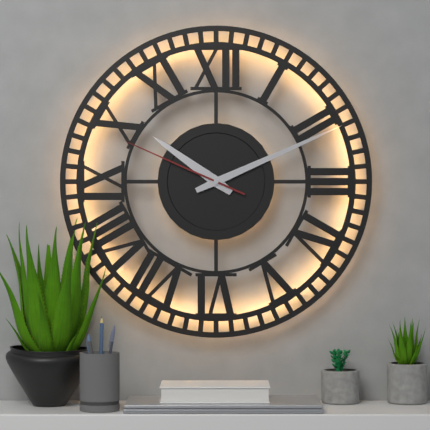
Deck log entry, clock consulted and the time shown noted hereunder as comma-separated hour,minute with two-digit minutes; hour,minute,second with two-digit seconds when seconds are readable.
10,11,49
